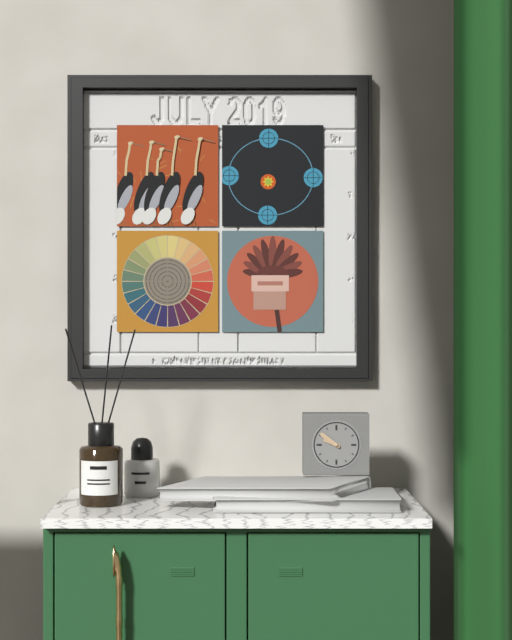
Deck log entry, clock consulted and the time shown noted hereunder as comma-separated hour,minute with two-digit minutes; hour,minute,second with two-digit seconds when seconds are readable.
9,51
